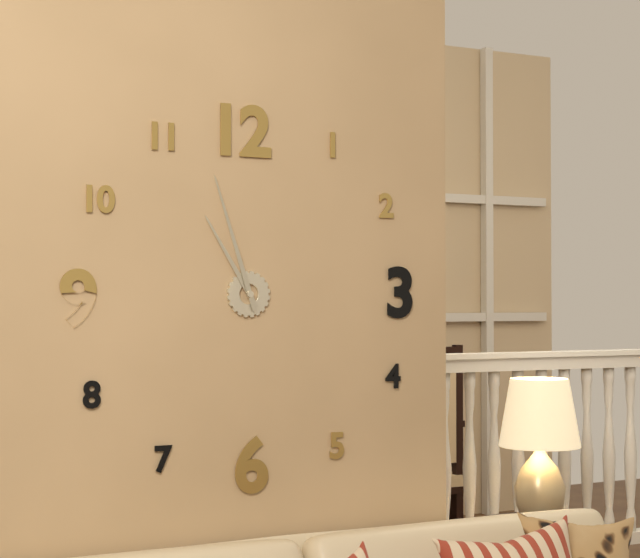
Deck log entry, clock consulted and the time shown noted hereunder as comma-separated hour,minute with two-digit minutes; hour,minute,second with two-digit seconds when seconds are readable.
10,57
